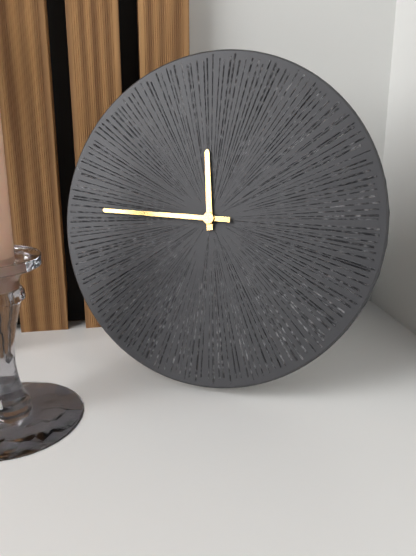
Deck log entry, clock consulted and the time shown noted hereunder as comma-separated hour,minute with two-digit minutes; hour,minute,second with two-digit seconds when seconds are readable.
11,45
